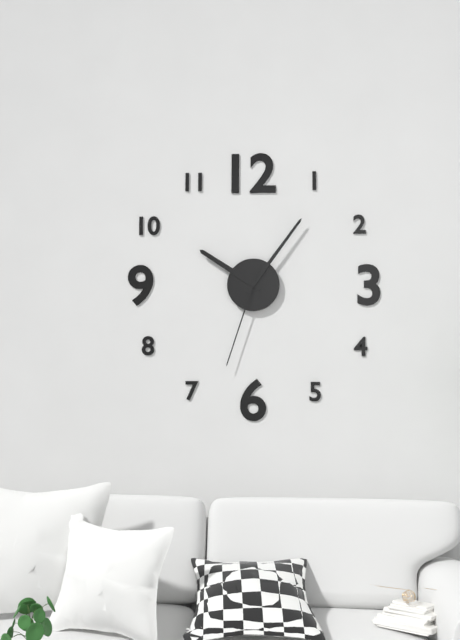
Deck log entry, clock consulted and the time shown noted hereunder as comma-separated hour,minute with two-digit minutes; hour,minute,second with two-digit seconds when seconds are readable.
10,06,33
